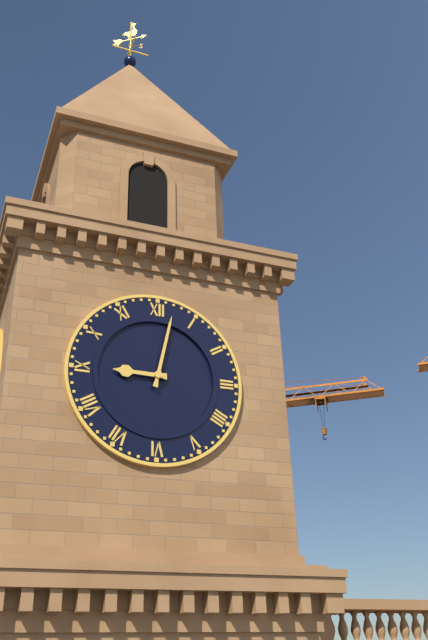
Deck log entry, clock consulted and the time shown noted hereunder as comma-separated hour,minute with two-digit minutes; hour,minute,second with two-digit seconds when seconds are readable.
9,02
